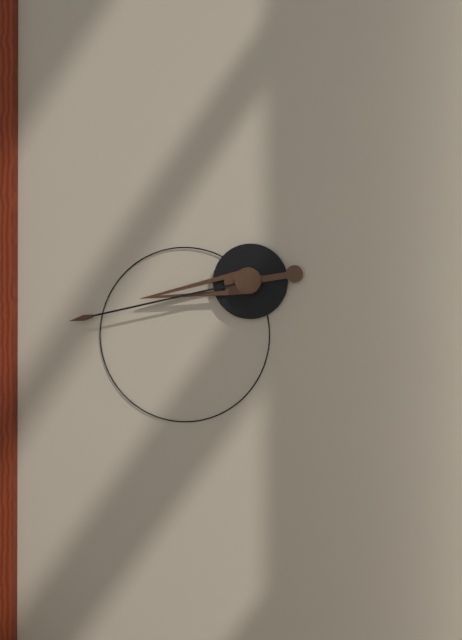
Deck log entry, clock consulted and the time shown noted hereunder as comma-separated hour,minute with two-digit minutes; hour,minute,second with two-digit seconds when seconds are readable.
8,43
